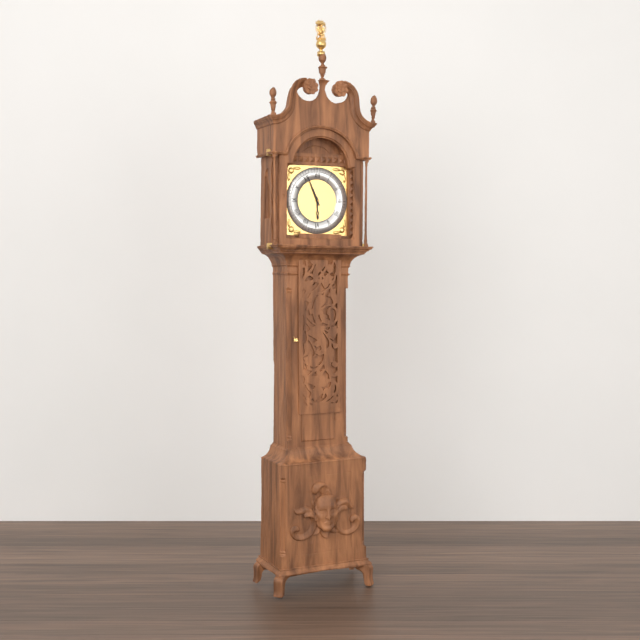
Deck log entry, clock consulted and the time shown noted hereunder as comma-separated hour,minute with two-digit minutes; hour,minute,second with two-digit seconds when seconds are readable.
5,56
